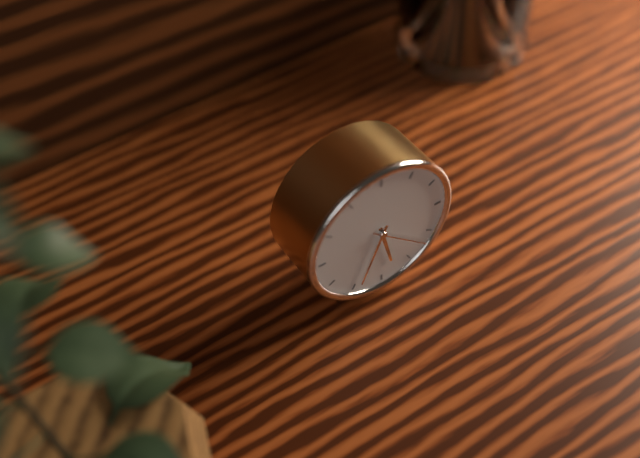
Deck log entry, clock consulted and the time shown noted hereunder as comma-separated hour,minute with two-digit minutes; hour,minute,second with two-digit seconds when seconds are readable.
5,34,22
